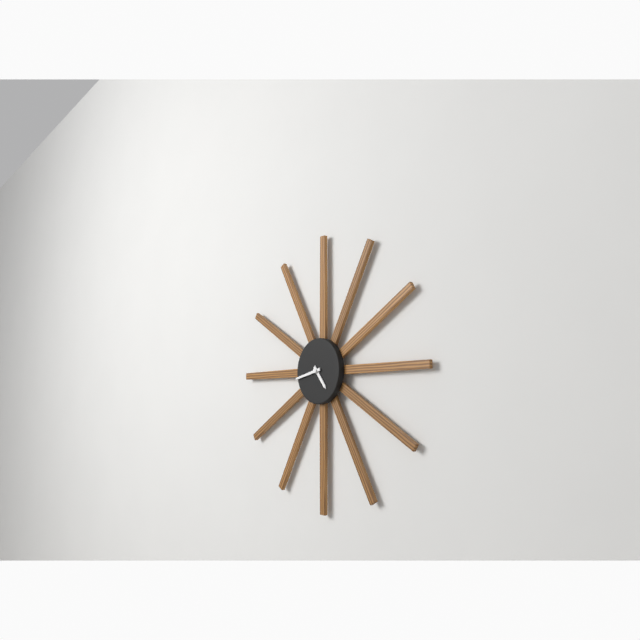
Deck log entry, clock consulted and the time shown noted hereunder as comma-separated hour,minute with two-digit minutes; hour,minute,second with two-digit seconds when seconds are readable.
4,43
